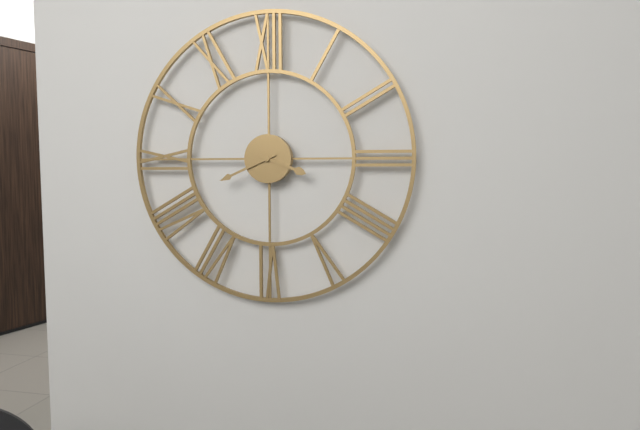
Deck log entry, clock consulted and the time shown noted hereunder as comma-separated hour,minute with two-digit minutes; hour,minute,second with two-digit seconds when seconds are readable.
3,41
